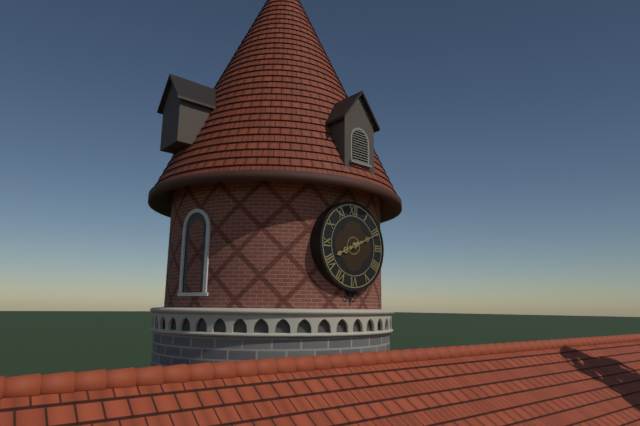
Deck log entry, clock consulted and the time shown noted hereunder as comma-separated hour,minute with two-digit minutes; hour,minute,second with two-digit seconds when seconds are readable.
8,11
